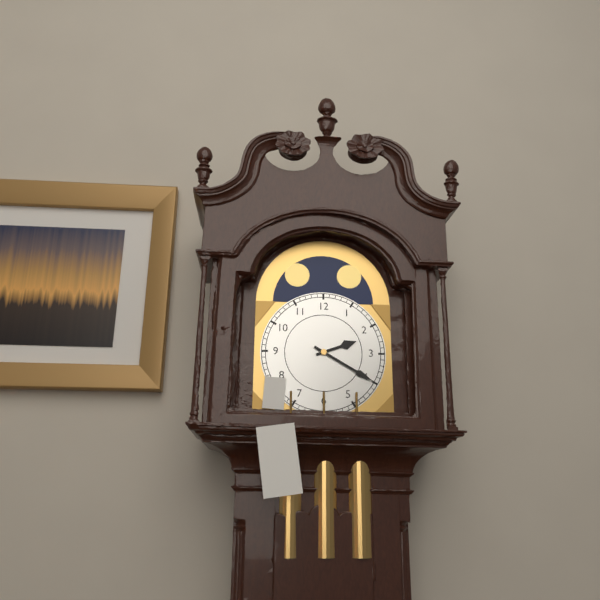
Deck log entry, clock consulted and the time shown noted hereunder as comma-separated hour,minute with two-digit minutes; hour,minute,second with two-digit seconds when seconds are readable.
2,20
